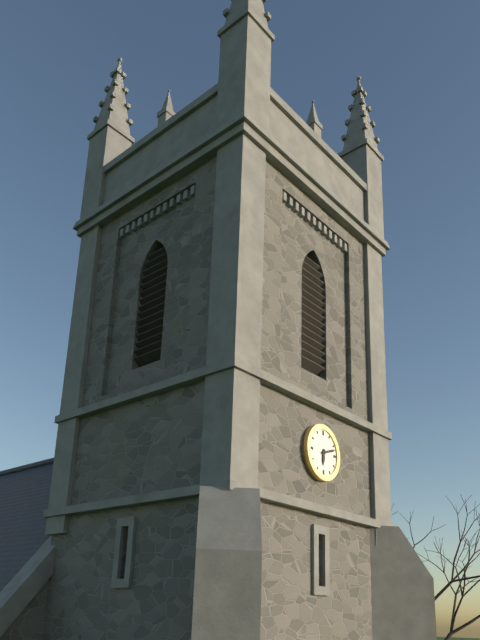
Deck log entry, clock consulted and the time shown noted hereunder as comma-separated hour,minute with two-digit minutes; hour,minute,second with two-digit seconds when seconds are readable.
6,12
